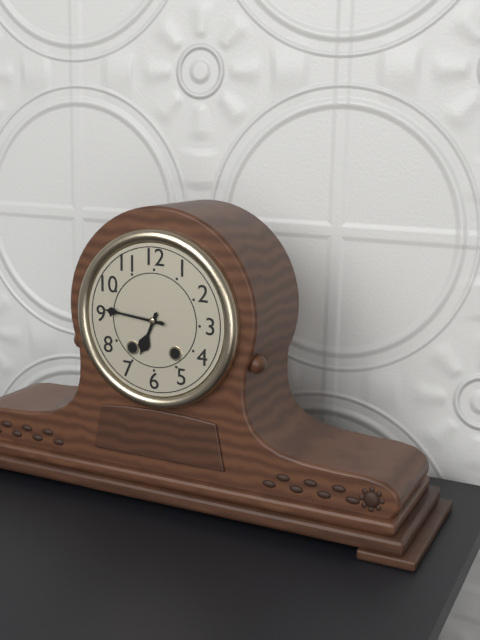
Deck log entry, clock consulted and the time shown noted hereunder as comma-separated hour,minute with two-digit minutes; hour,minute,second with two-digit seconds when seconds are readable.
6,46
